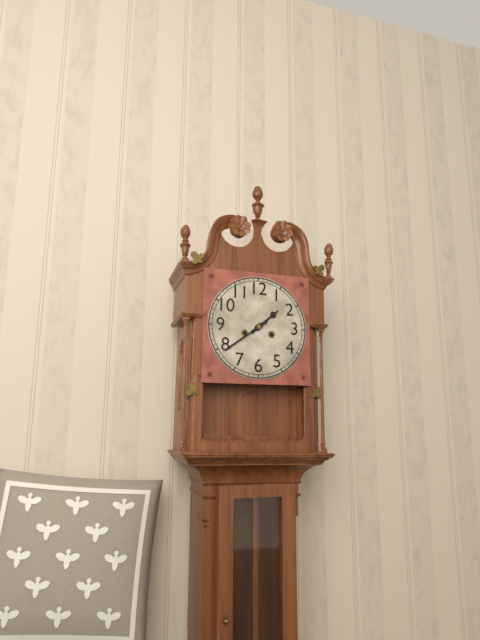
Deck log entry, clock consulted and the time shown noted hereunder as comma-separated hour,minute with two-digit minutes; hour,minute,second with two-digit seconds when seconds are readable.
1,39
